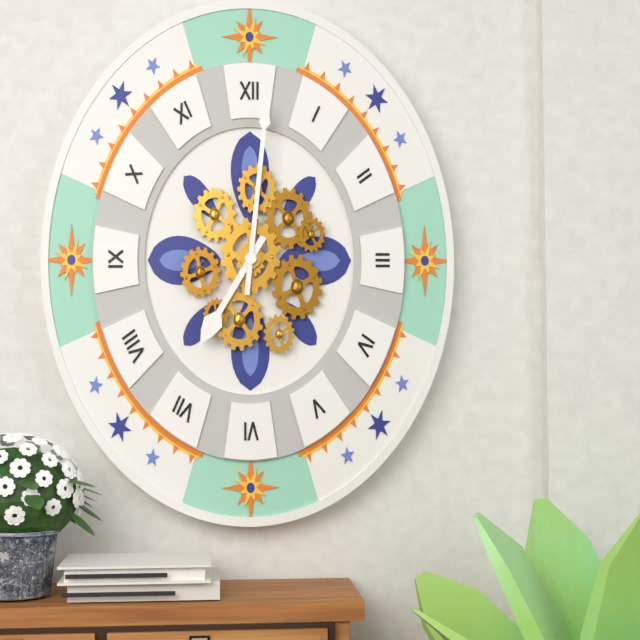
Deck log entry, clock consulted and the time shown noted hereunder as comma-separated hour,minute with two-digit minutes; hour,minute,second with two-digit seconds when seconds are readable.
7,01
